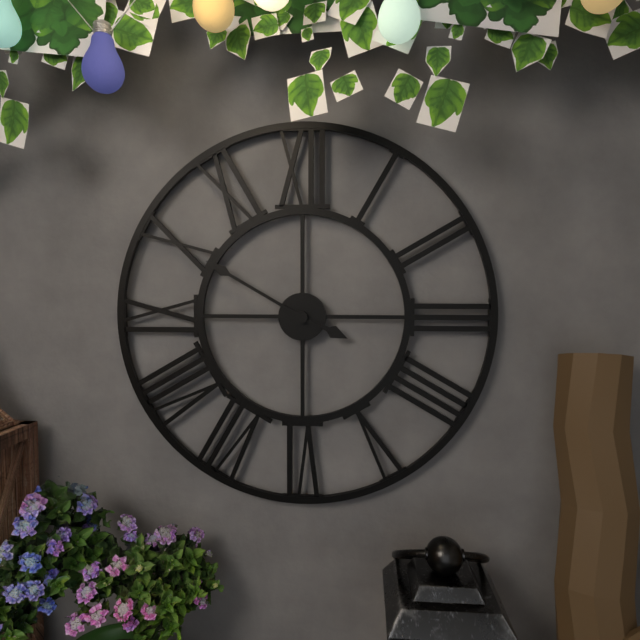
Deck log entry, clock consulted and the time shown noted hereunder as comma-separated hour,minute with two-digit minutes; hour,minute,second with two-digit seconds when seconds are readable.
3,50
